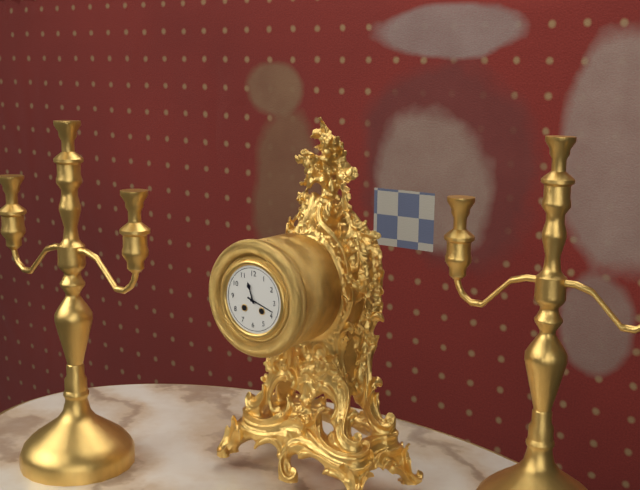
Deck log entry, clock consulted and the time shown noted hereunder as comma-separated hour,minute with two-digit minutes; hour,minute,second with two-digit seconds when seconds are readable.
11,18
